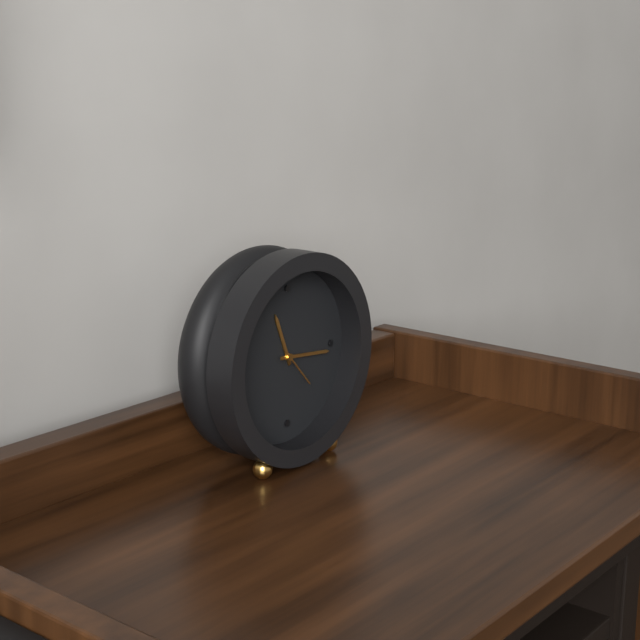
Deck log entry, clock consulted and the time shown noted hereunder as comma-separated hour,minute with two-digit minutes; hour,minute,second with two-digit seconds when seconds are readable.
11,16
